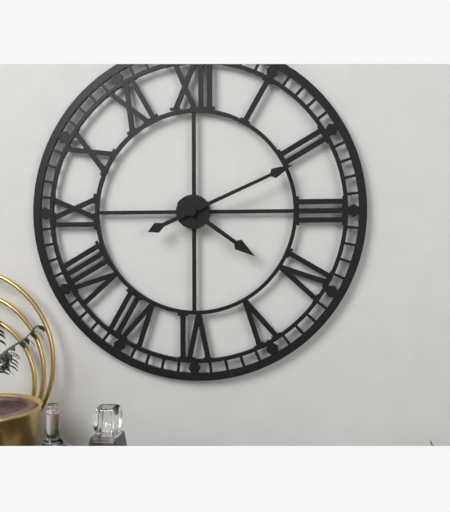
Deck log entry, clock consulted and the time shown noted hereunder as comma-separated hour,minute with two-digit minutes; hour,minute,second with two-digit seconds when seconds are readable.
4,11
